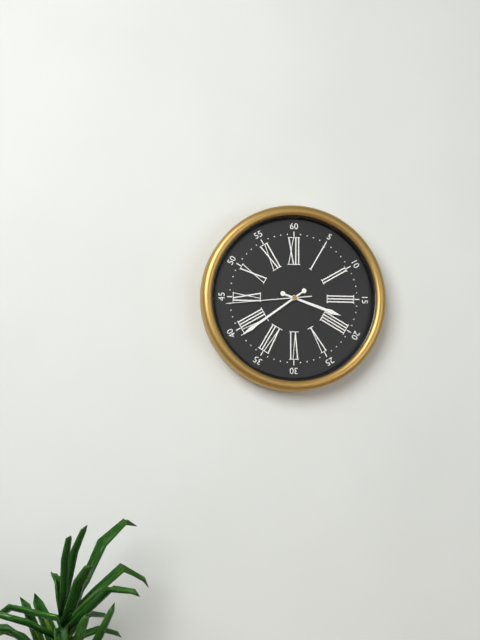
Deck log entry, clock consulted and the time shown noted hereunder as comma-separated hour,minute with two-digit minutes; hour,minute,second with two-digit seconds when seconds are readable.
3,39,44
